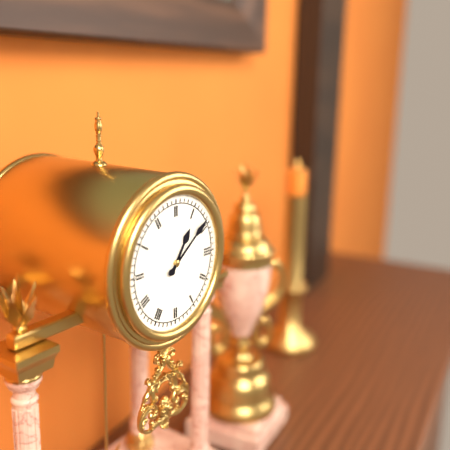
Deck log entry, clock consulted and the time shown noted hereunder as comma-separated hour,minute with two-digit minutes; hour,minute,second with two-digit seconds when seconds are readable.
1,09
